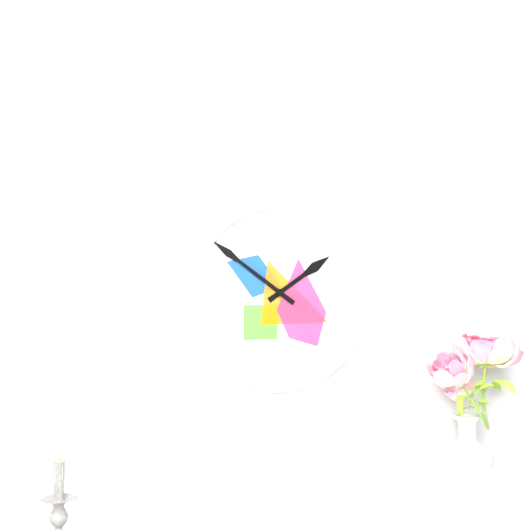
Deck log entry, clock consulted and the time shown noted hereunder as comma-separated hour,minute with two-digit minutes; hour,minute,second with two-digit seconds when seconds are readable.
1,51
